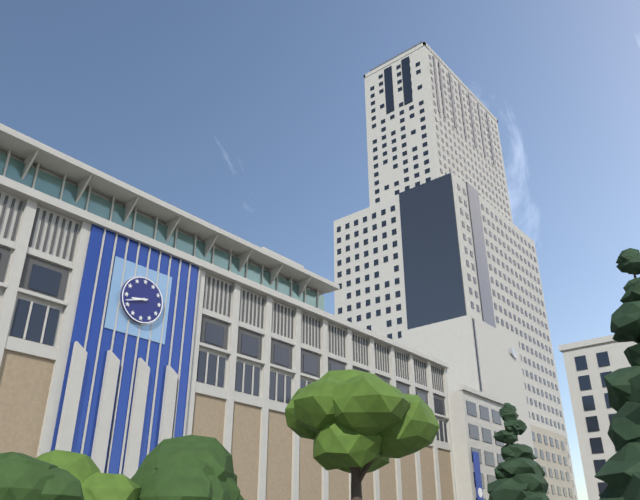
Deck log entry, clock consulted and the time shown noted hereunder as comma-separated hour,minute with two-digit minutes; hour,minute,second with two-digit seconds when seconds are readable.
8,42
